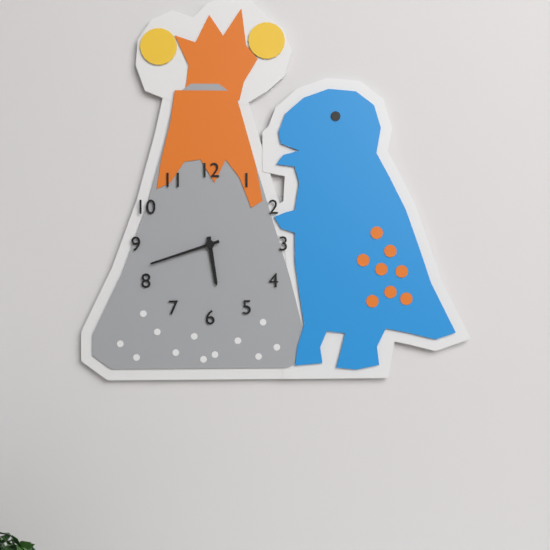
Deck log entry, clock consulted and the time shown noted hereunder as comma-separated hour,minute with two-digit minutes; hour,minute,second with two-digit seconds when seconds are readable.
5,42
